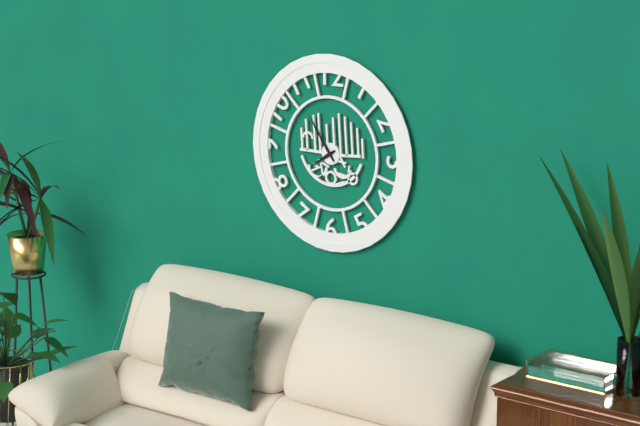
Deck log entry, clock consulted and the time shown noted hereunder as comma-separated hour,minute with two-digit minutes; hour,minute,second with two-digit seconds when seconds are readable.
7,54
